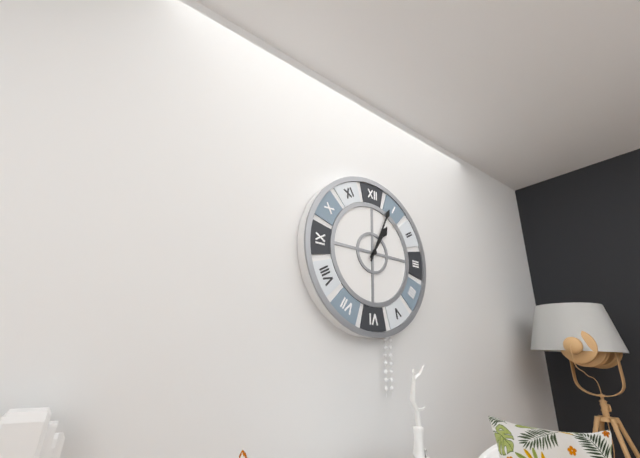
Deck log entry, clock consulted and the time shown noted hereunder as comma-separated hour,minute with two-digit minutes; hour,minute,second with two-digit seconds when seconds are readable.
1,04
